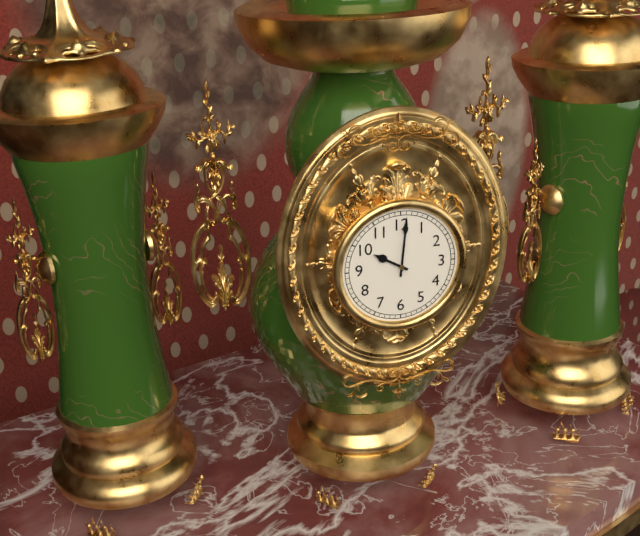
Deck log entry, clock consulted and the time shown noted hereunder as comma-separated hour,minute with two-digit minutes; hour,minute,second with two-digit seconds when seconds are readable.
10,01
